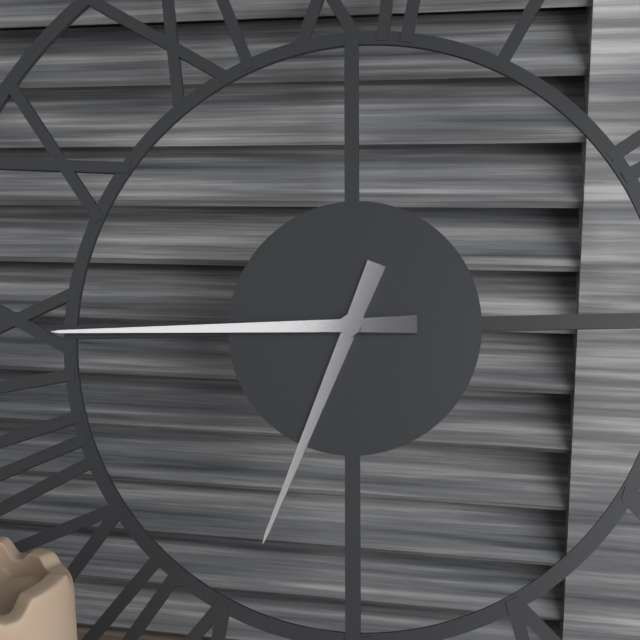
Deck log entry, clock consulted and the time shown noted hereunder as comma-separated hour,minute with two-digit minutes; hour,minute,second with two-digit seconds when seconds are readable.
6,45
